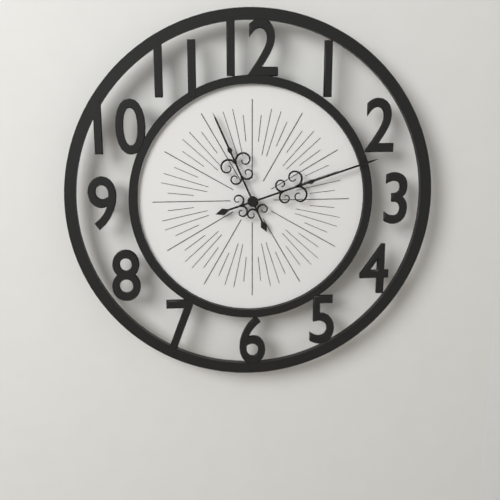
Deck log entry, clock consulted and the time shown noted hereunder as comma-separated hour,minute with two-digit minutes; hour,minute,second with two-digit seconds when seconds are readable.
11,12
